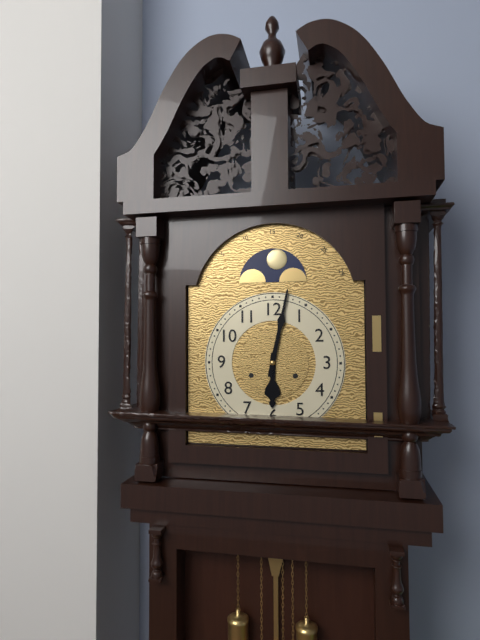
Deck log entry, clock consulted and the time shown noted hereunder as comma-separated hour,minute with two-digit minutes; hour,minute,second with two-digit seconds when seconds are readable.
6,02
